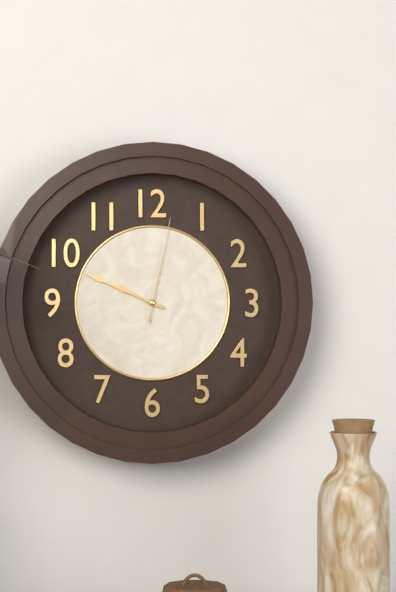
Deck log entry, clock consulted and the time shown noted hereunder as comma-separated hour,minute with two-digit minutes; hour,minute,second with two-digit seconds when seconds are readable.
9,49,02
